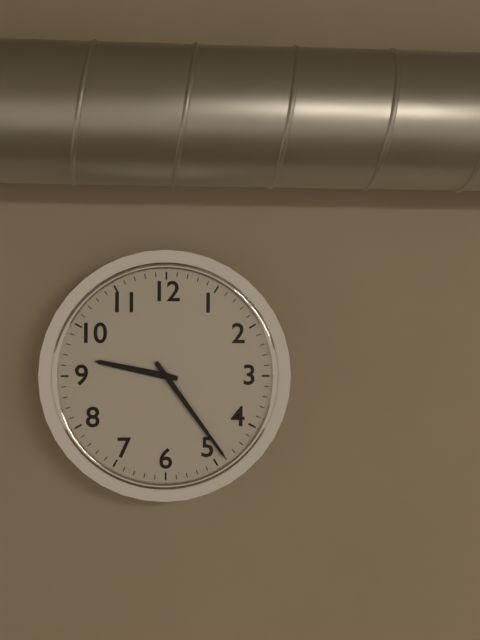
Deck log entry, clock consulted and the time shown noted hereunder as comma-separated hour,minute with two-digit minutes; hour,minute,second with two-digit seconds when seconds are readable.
9,24
